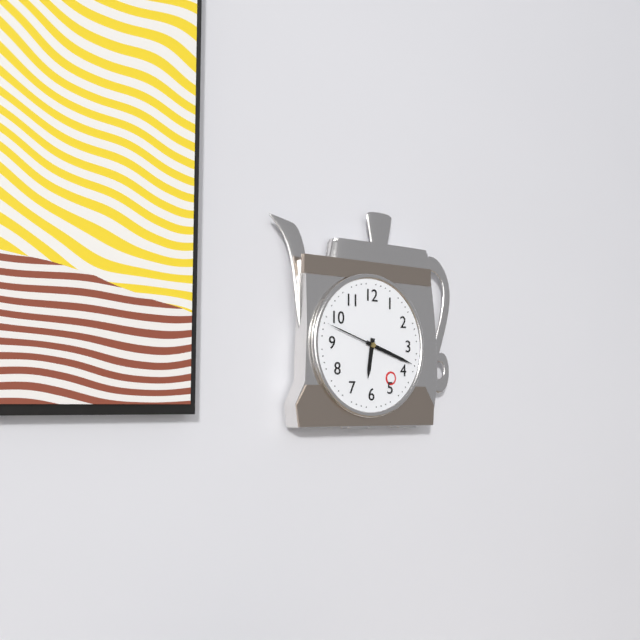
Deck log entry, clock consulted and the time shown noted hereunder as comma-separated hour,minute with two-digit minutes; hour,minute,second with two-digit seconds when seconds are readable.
6,18,48
